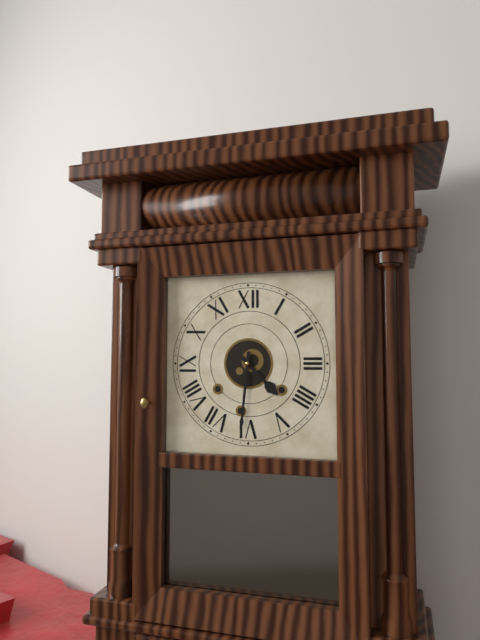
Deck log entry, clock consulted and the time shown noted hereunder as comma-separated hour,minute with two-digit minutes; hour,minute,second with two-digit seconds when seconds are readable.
4,31
